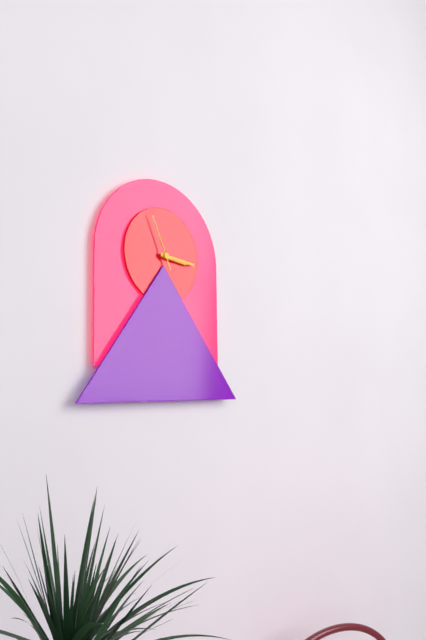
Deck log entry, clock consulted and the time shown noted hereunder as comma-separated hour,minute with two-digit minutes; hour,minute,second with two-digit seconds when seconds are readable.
3,16,56
